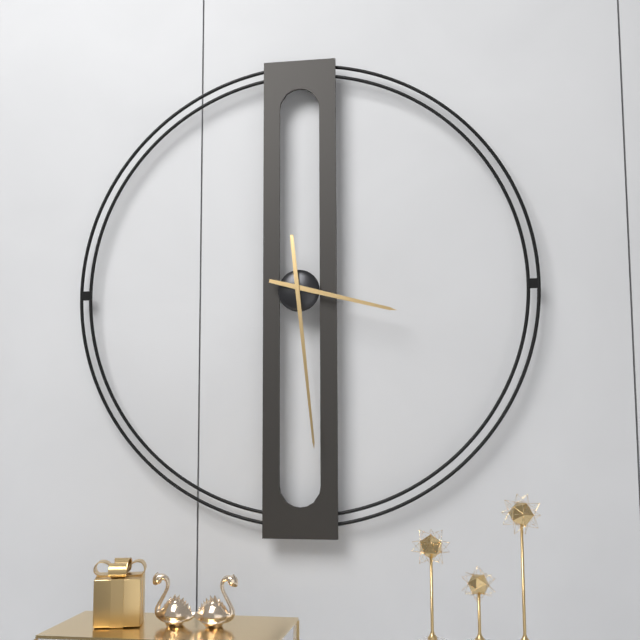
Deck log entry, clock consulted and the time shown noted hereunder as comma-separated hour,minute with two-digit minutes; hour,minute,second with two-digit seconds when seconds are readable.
3,29
